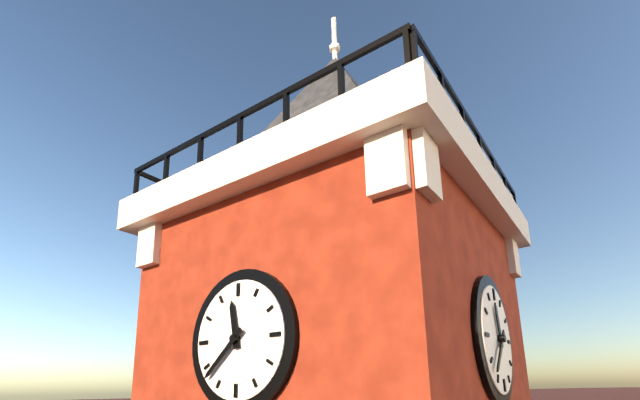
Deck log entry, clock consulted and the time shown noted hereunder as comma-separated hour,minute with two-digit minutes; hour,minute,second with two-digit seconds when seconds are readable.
11,38
